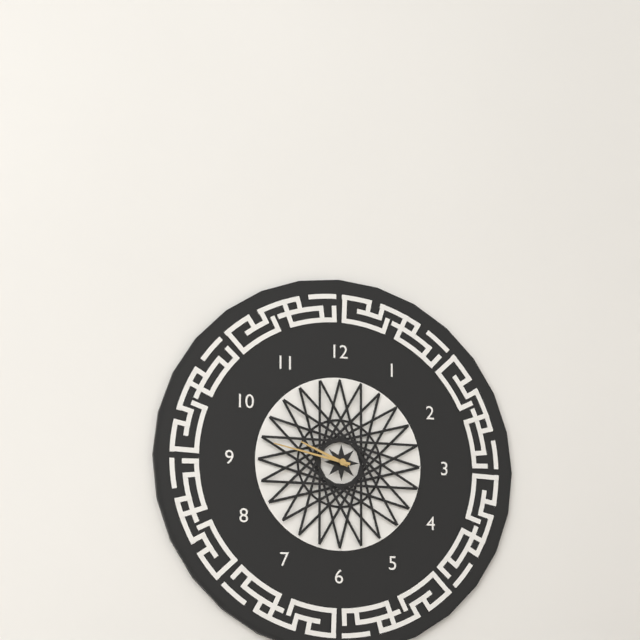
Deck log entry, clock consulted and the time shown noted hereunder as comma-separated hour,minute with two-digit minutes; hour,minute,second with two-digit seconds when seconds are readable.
9,47
